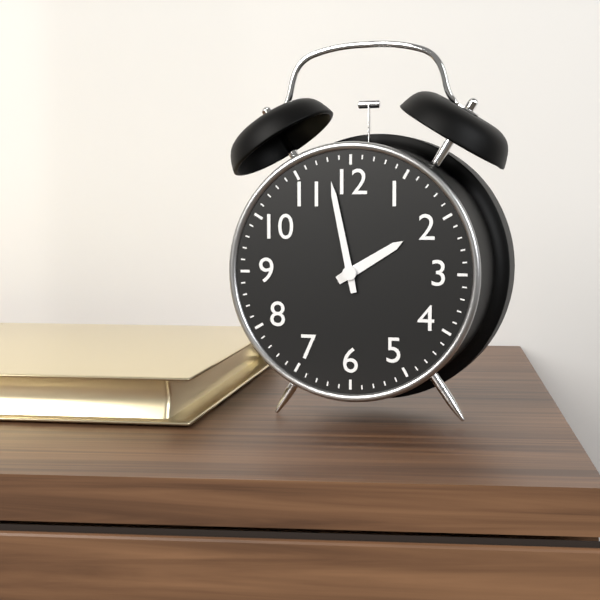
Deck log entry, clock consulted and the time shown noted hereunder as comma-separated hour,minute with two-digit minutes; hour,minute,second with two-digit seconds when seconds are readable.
1,58
